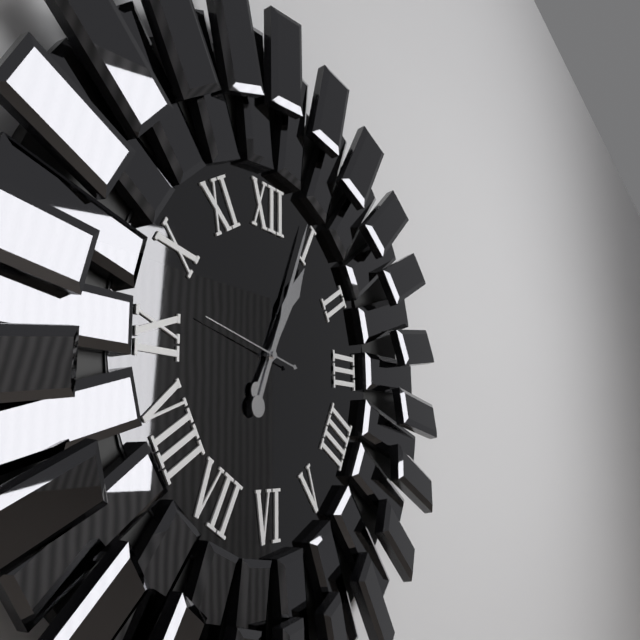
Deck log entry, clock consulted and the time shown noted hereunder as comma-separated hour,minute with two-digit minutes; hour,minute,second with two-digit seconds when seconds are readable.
1,04,47
